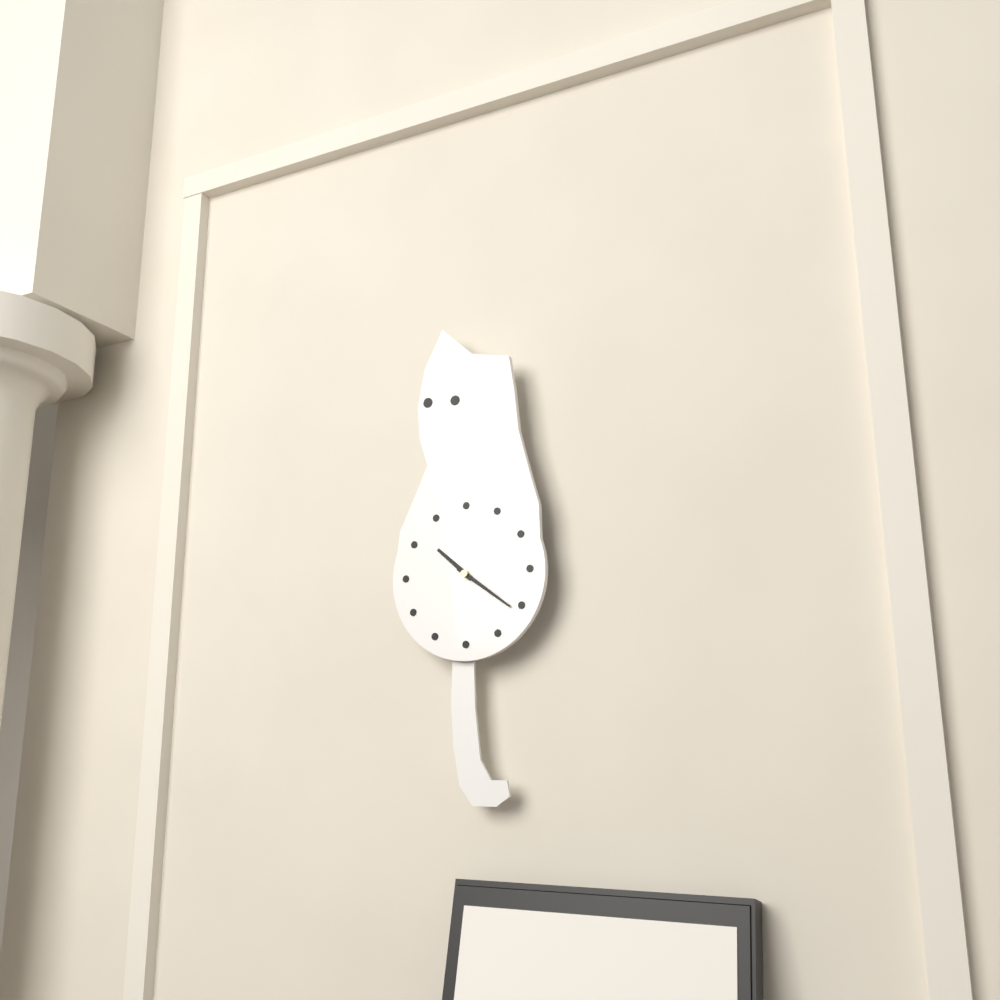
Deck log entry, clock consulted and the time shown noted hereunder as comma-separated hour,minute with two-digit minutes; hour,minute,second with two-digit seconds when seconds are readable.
10,21
